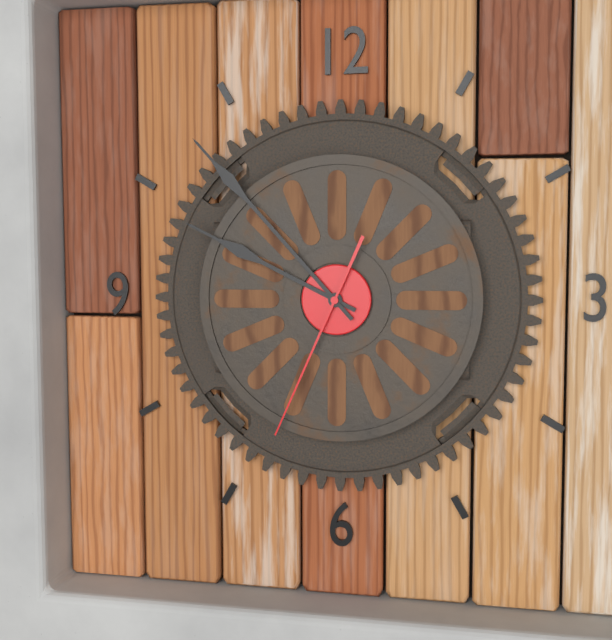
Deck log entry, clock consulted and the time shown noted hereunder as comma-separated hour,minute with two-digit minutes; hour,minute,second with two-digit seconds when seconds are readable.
9,53,34
